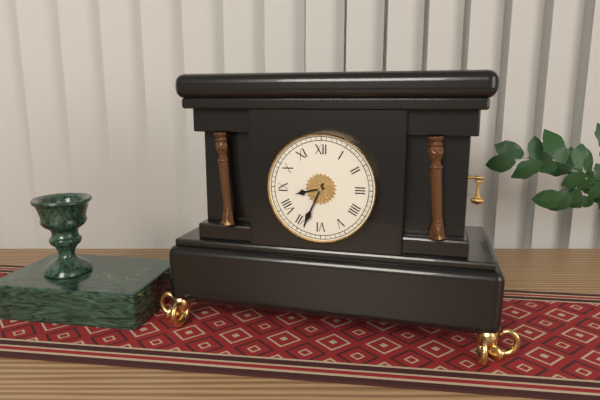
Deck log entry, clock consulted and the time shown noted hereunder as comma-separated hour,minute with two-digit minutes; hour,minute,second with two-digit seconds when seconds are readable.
8,34
